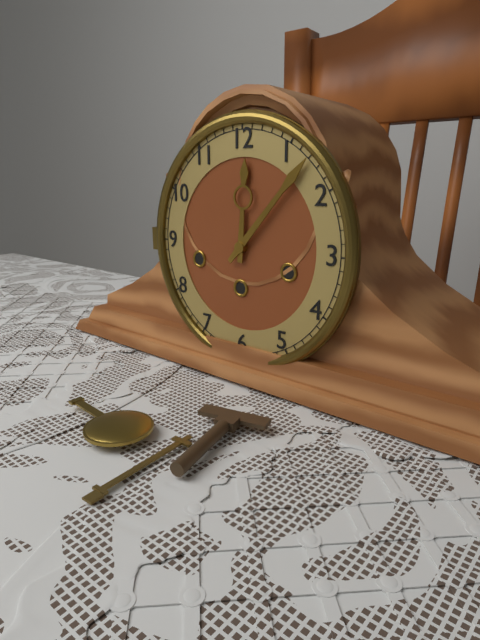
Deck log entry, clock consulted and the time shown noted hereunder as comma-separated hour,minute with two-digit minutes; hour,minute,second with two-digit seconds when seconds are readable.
12,07
